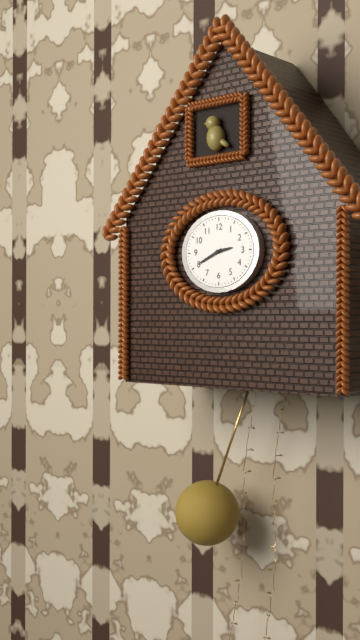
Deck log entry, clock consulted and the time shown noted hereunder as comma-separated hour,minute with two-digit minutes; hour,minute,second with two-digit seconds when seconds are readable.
2,41
